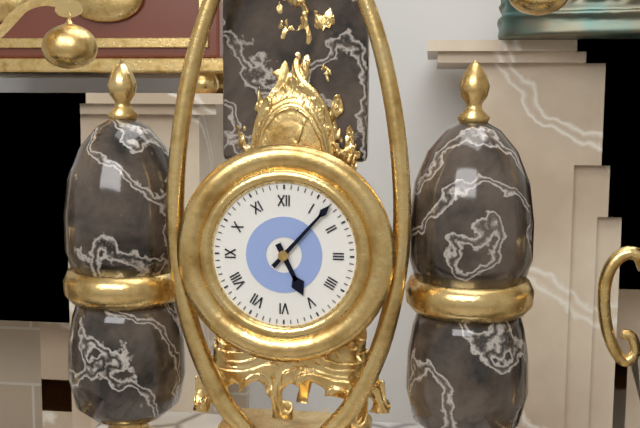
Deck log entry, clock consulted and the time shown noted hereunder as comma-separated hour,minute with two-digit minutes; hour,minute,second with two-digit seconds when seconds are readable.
5,07
